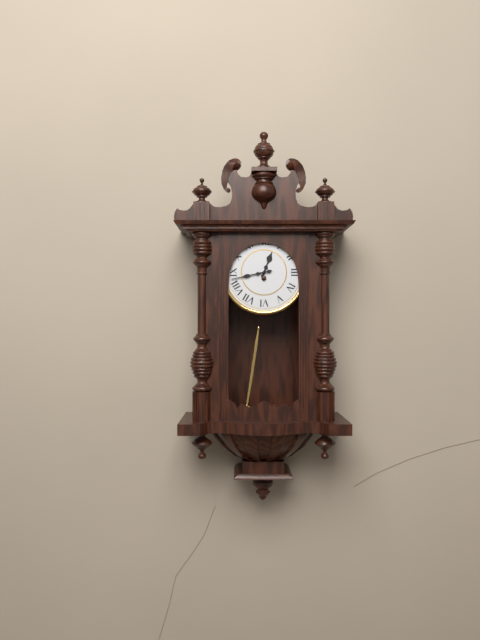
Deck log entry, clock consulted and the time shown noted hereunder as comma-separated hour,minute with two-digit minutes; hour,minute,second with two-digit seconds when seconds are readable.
12,43
